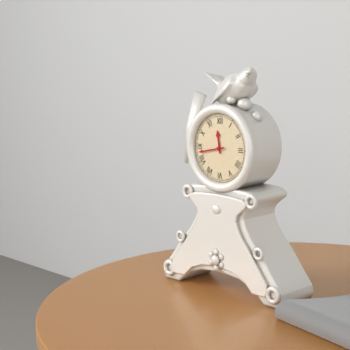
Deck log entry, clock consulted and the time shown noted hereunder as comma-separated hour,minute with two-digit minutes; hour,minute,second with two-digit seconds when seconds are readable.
11,43
